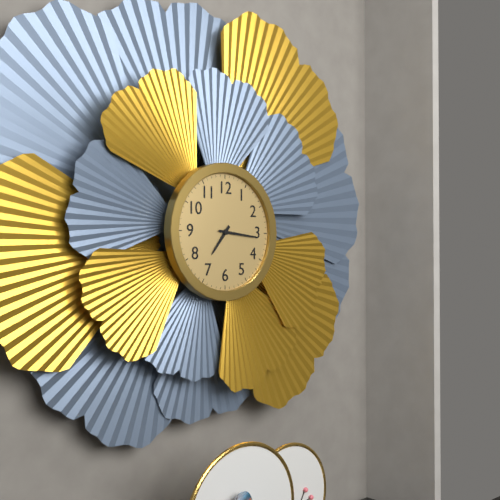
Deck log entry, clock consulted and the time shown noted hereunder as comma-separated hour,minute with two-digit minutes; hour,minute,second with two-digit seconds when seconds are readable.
7,16
